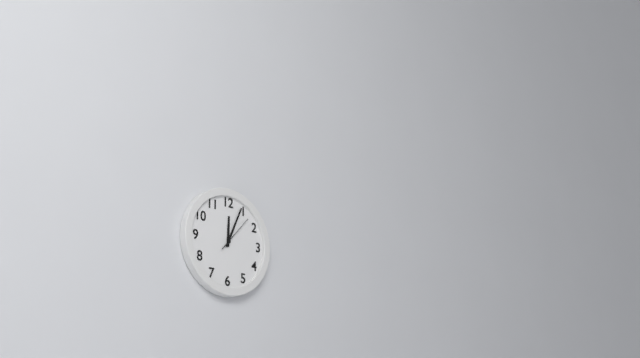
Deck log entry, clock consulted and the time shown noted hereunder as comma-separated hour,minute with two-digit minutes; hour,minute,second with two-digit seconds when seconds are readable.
12,04
